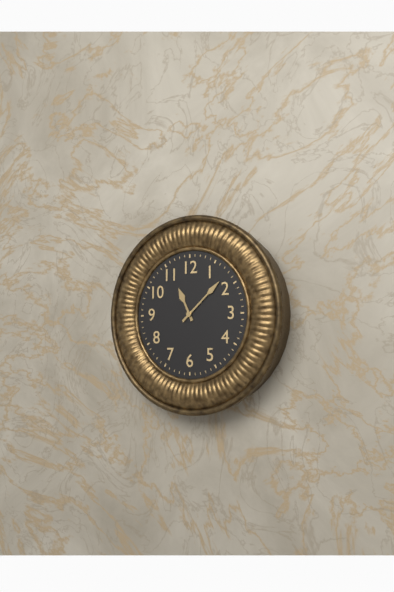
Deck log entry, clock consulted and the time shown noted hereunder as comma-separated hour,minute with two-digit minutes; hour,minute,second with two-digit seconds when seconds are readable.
11,08
